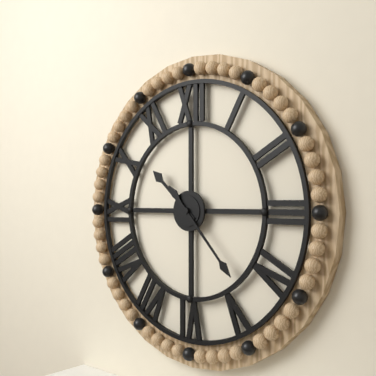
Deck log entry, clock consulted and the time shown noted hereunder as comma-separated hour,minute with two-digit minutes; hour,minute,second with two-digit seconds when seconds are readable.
10,23
